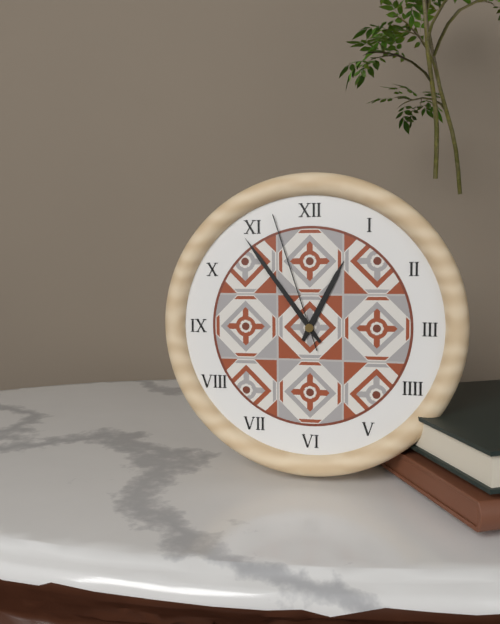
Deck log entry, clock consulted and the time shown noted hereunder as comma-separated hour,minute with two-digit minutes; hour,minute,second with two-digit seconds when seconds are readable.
12,54,57
